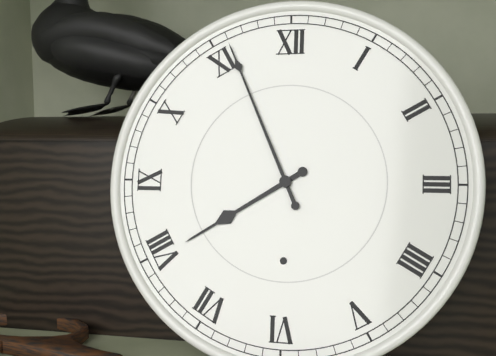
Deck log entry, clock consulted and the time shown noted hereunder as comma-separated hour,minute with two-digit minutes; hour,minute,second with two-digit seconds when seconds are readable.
7,56
